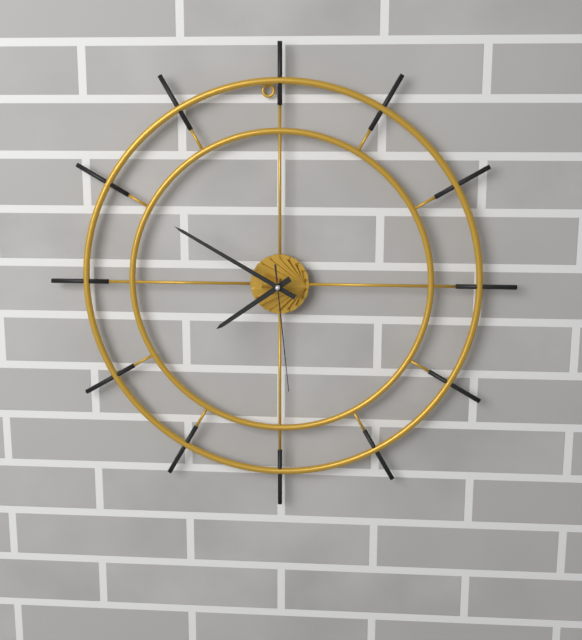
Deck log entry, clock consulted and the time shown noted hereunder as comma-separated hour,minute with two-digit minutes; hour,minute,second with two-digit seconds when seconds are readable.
7,50,29
